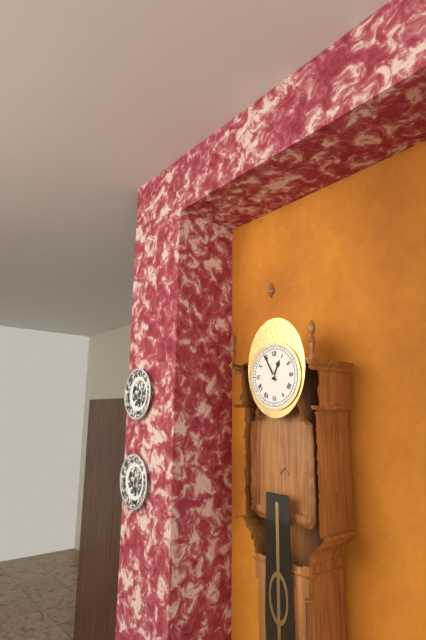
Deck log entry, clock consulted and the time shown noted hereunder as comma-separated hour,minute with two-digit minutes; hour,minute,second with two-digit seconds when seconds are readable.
12,55
